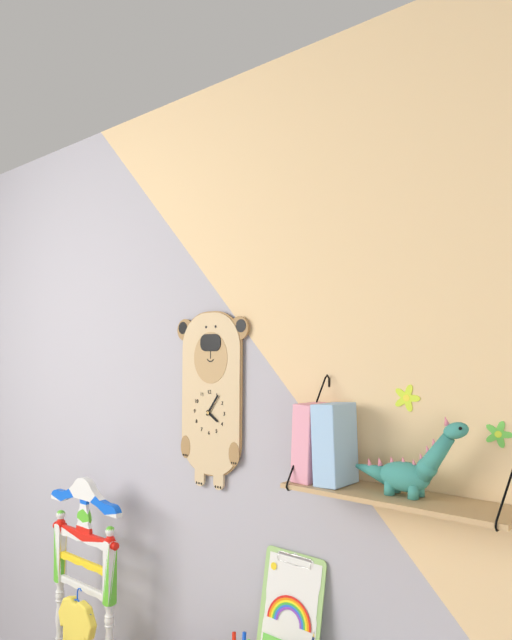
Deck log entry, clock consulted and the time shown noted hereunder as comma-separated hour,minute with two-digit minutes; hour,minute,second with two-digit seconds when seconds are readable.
4,06
